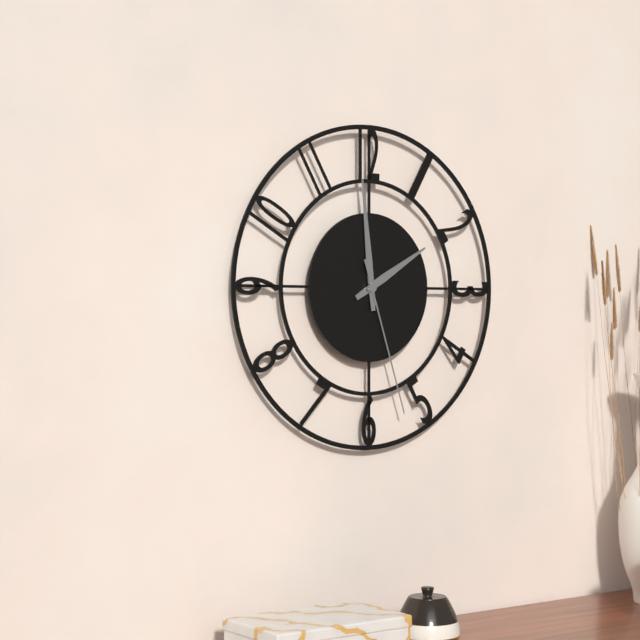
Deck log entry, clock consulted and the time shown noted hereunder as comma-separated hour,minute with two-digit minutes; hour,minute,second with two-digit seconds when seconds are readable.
1,59,27
